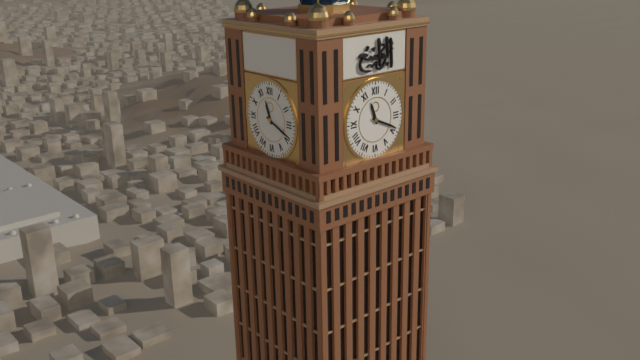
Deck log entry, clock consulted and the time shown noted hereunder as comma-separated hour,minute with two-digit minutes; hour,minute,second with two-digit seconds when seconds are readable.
11,19
